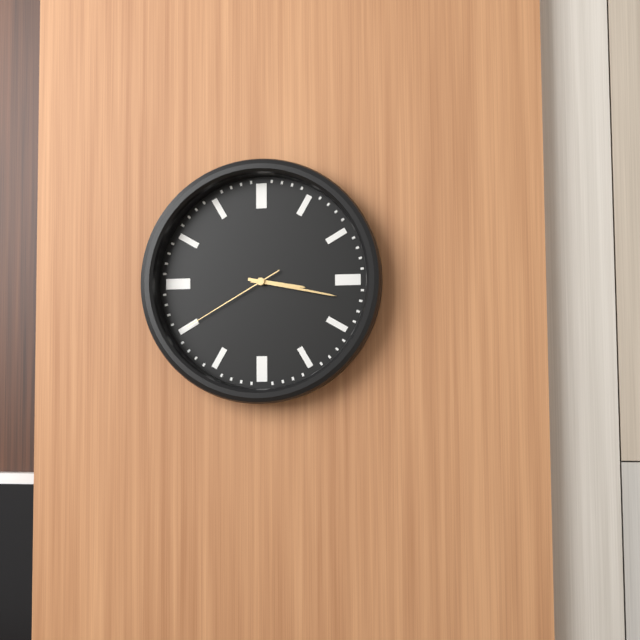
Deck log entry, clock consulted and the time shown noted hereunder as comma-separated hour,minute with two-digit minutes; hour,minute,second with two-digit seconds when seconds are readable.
3,17,40
